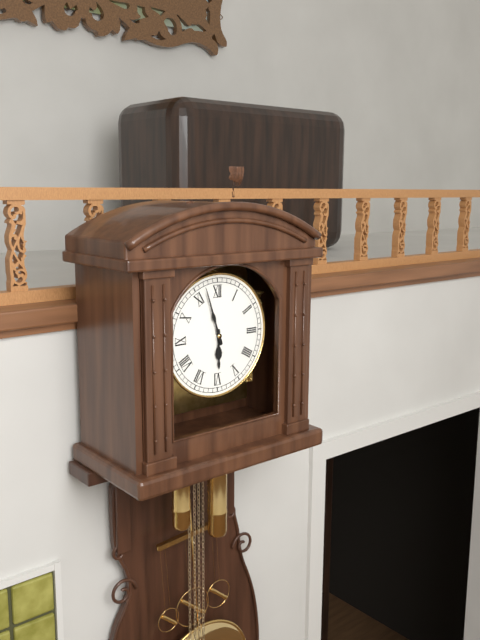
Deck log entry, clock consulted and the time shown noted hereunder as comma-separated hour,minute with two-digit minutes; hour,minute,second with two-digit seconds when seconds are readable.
5,57
